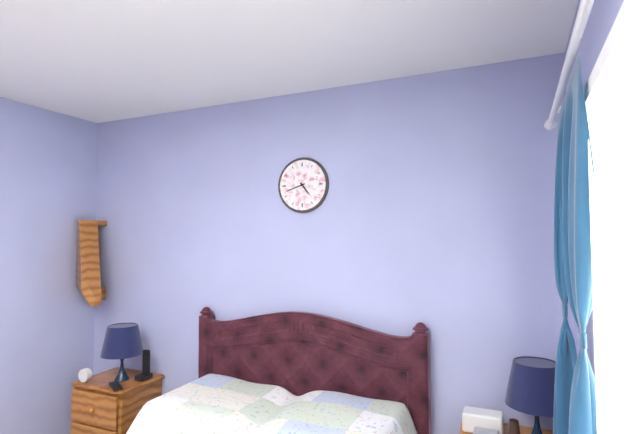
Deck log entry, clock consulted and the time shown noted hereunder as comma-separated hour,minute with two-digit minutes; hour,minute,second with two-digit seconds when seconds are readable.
4,42
